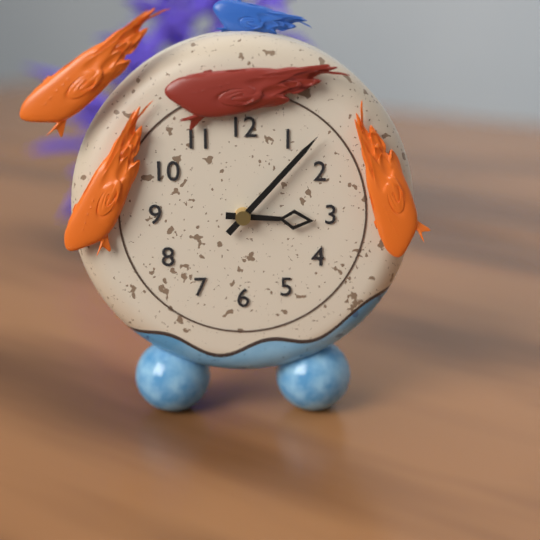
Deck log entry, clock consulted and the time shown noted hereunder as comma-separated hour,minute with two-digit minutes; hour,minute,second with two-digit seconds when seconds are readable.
3,07
